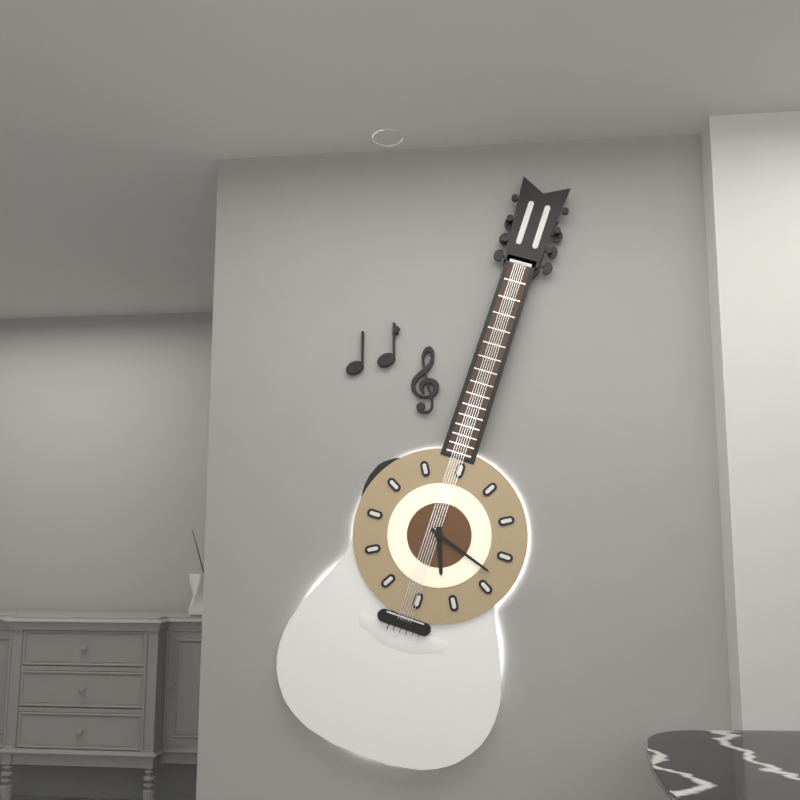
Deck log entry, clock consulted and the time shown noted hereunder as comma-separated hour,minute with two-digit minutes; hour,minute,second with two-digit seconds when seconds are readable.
5,18
